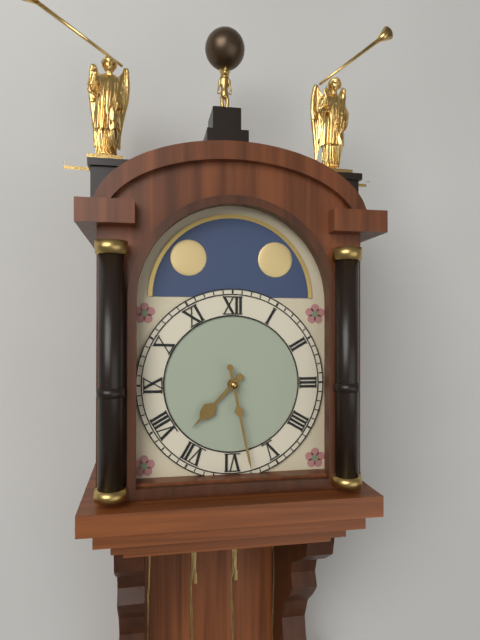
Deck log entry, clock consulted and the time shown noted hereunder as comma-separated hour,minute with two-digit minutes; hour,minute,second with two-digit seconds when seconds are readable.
7,28
